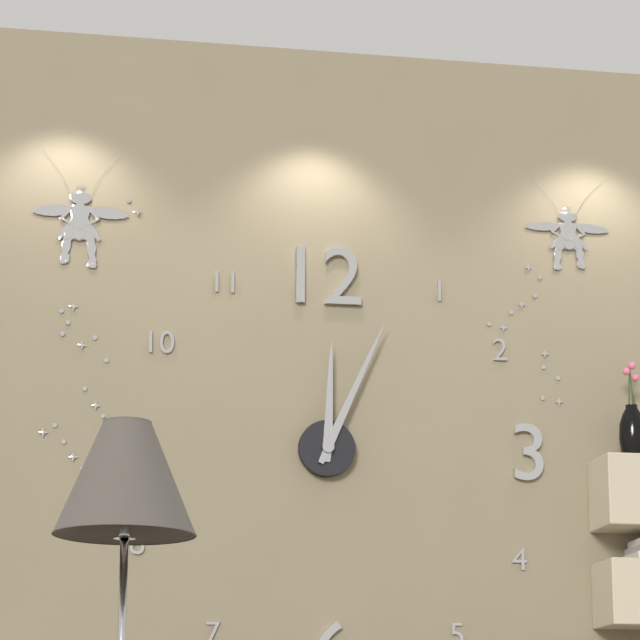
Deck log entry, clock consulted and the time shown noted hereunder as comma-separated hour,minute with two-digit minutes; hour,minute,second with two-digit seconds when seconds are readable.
12,04
